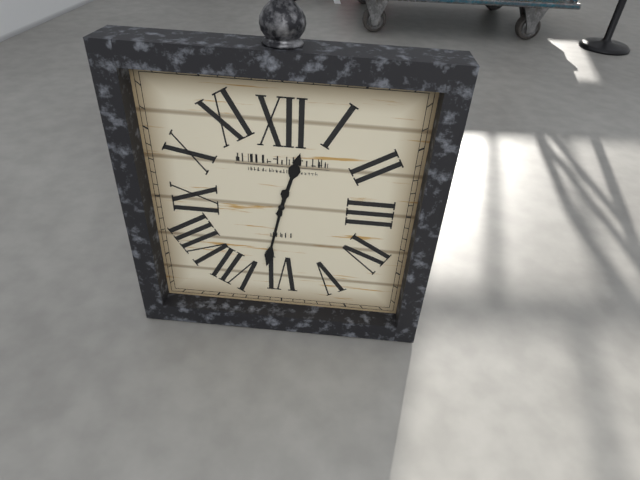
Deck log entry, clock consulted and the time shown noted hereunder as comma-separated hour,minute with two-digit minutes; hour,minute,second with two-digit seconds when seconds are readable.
12,32
